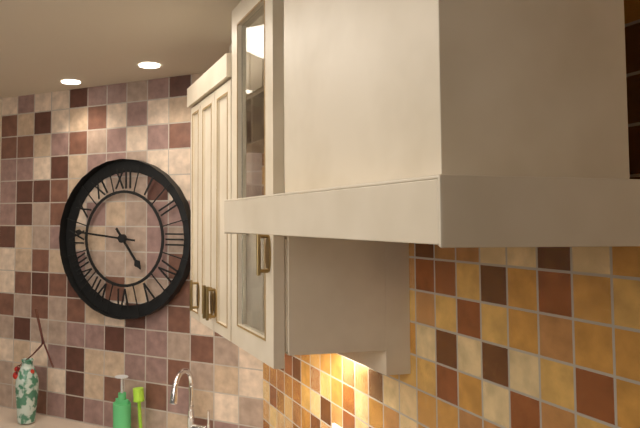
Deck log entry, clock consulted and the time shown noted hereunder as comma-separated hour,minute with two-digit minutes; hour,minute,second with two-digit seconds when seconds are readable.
4,46
